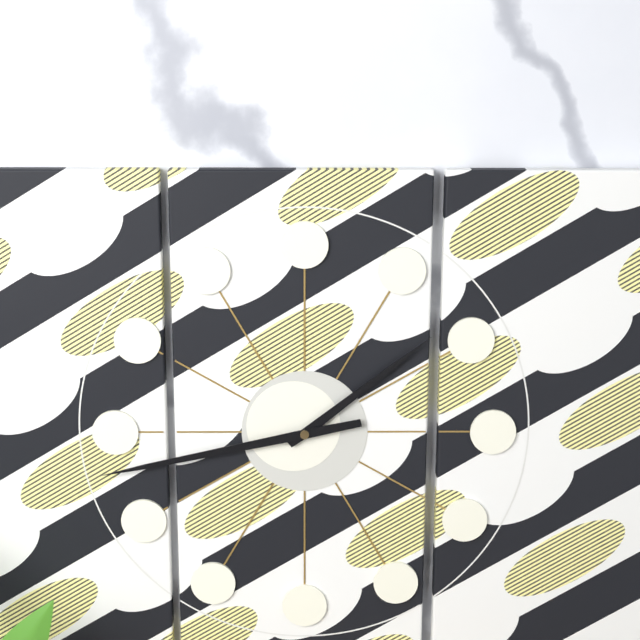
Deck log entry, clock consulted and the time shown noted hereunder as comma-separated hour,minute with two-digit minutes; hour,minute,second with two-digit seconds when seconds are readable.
1,43
